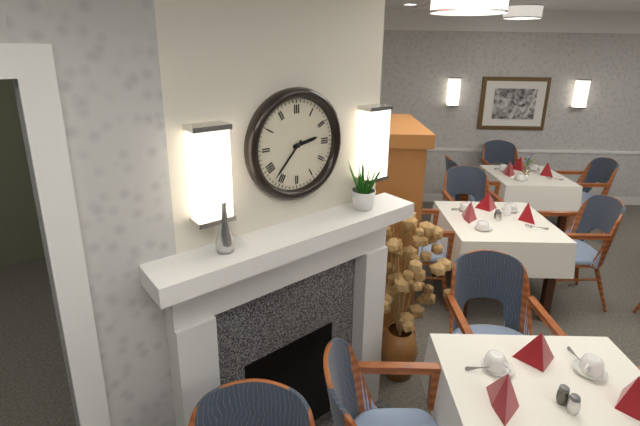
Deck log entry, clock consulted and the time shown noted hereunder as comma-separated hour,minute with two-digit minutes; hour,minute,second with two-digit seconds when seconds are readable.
2,37
